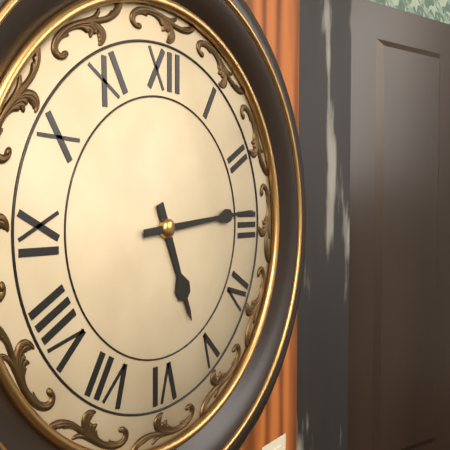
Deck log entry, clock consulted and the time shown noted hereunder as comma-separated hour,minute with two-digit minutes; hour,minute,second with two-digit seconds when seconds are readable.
5,14
